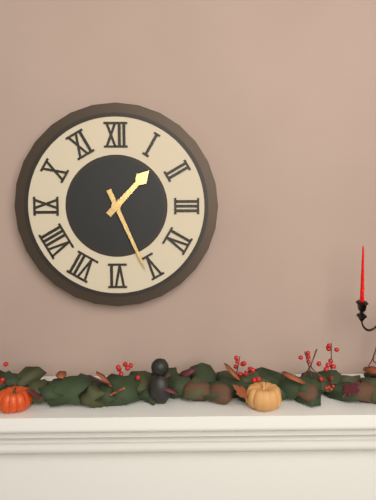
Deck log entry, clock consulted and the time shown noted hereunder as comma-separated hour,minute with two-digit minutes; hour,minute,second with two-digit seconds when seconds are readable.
1,26
